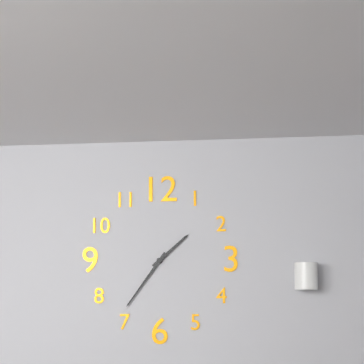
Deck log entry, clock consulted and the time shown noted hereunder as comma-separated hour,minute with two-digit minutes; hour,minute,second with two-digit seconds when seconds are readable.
1,36
